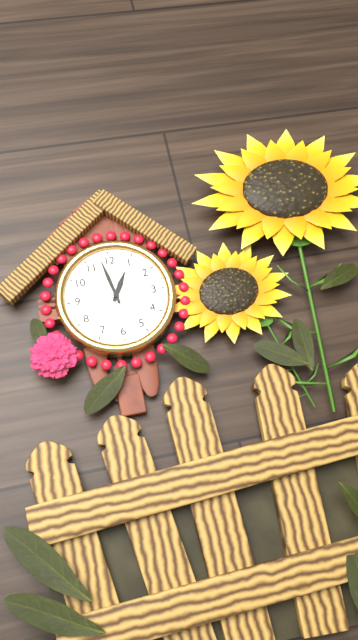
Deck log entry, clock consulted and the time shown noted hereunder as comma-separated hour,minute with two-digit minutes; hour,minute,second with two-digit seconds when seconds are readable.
12,58
